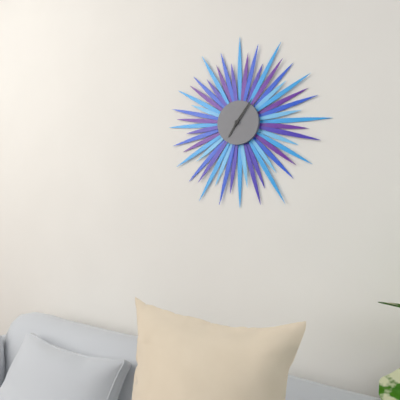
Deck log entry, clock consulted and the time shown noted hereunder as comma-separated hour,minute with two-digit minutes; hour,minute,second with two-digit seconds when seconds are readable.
7,06
